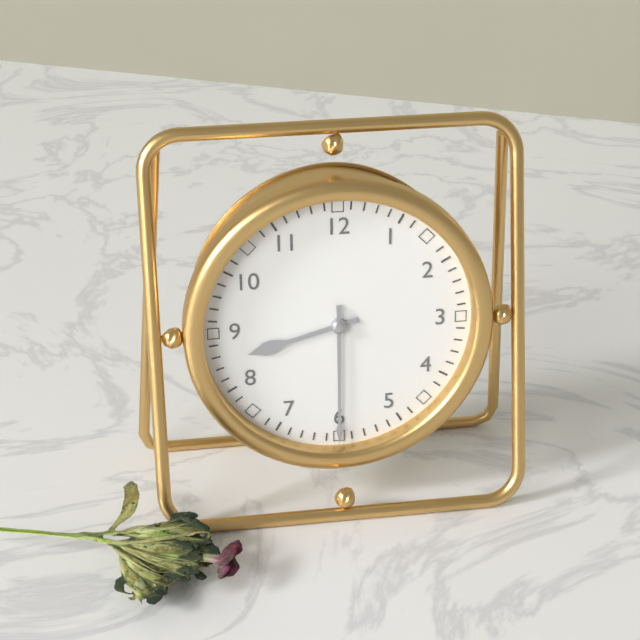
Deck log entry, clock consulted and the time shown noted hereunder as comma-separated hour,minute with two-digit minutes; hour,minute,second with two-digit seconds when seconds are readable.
8,30
